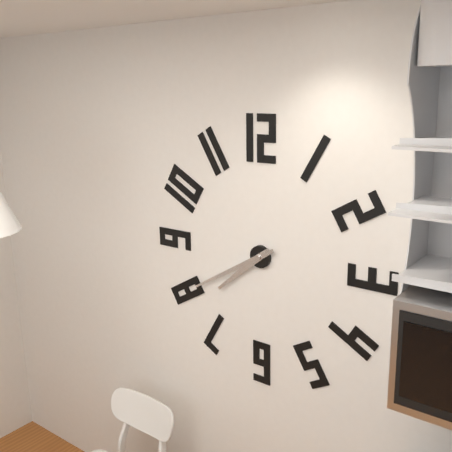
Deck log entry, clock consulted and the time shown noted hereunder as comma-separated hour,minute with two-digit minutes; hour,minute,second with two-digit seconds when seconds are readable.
7,40
